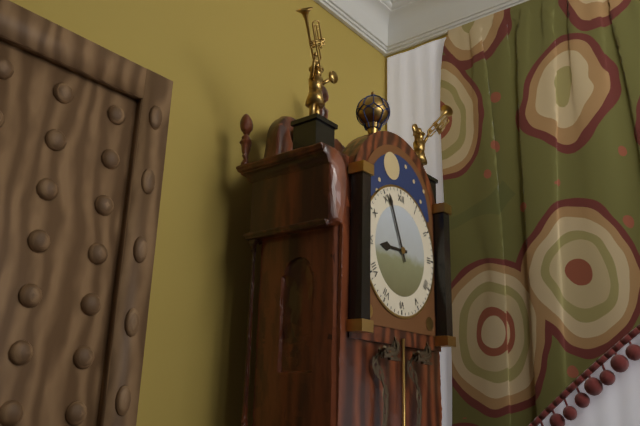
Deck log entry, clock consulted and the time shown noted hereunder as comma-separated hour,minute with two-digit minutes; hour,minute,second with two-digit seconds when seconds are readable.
8,56
